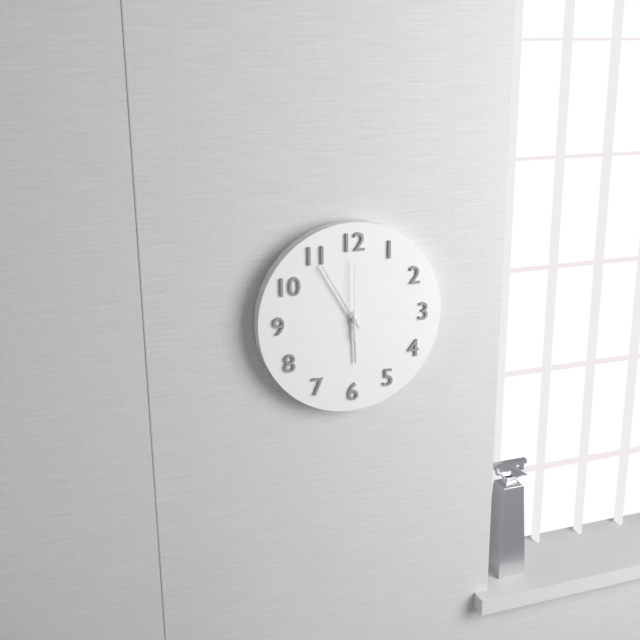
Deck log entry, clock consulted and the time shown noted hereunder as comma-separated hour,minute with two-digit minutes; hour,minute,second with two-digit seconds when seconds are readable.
5,55,00
